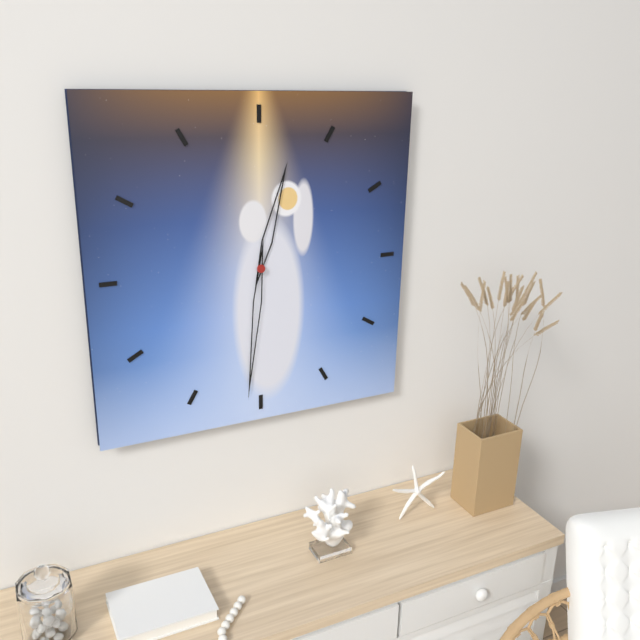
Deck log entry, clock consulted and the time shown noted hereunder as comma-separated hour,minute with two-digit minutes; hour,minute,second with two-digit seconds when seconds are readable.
12,31
